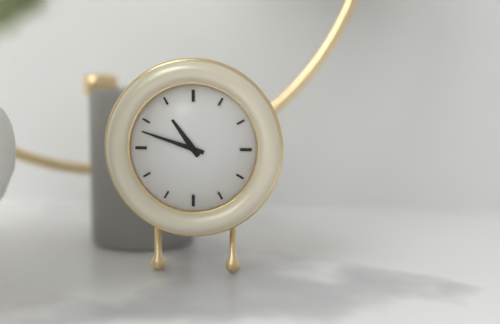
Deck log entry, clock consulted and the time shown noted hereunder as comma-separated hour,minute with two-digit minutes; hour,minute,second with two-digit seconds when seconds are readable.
10,48
